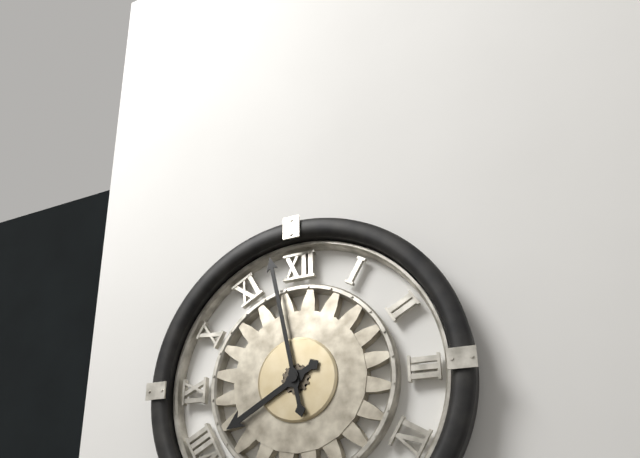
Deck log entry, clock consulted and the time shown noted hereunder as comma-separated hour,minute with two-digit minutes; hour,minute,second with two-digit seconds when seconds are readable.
7,58
